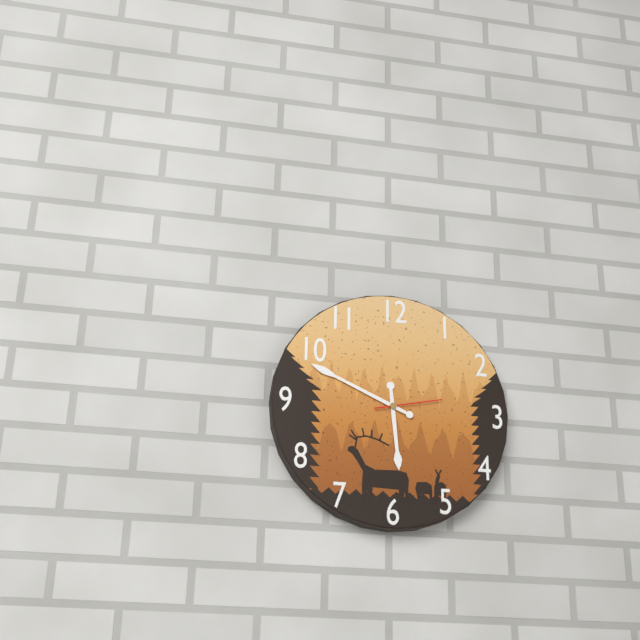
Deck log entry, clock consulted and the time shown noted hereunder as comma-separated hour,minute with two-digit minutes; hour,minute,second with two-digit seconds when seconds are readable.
5,49,13
